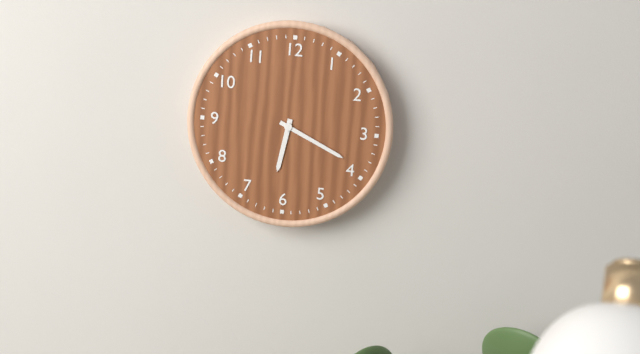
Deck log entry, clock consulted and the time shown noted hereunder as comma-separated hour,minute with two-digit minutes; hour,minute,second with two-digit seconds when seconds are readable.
6,19
